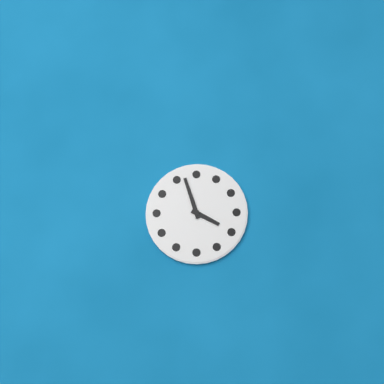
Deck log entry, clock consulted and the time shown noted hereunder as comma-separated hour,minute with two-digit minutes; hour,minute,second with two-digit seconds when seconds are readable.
3,57
